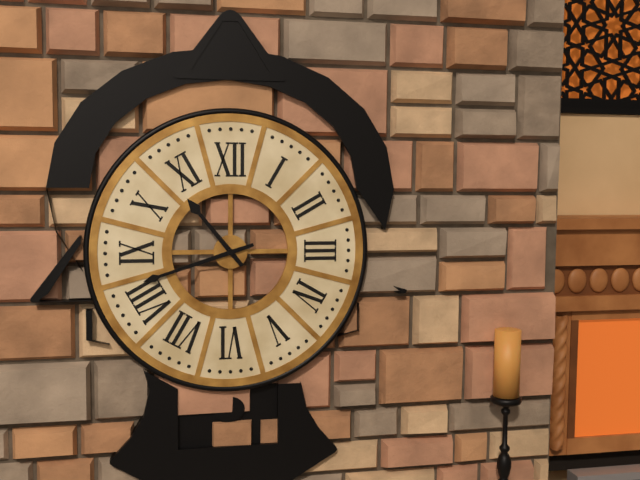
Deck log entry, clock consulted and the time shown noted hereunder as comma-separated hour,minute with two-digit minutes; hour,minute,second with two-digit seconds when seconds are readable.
10,42
